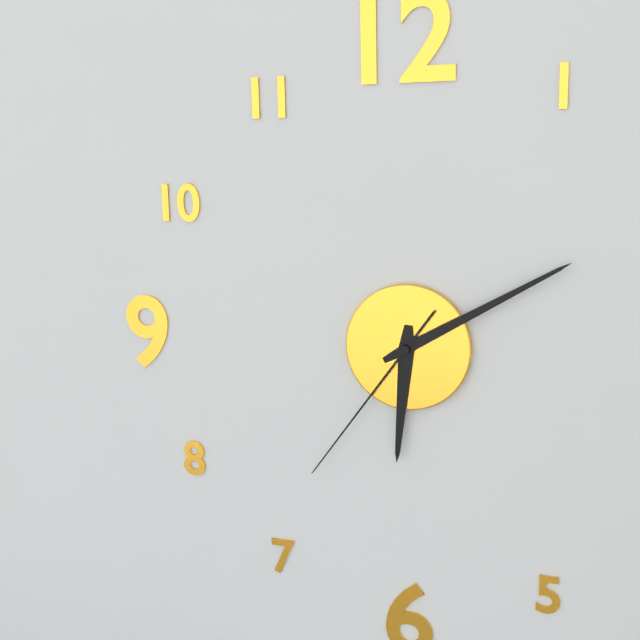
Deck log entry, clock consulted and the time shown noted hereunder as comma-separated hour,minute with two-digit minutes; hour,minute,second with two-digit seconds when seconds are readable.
6,10,36
